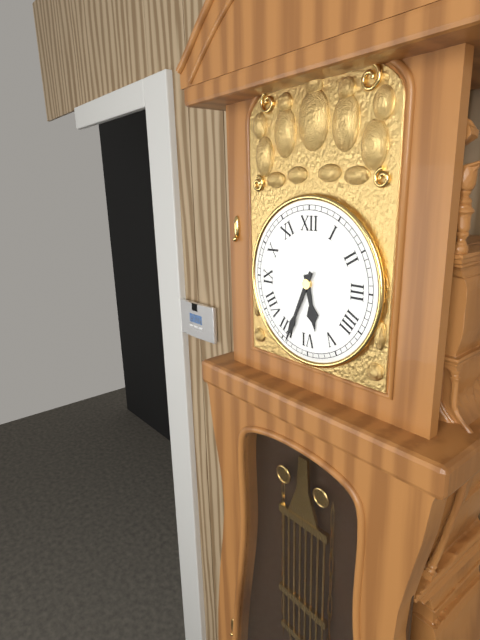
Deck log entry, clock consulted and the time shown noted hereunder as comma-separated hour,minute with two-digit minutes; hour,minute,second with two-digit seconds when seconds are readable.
5,34
